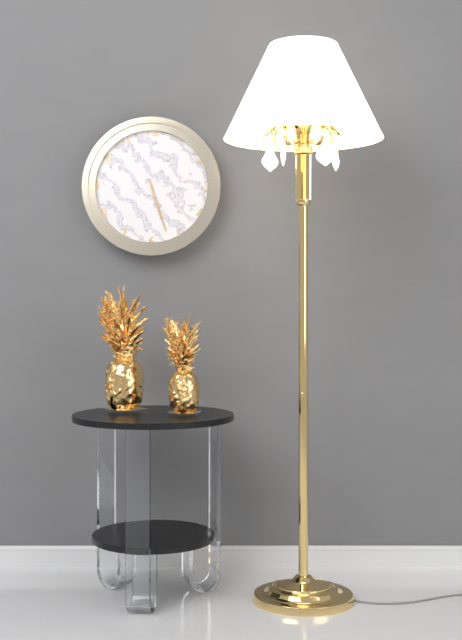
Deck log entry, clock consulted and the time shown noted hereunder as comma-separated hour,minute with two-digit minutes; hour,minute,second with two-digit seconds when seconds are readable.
5,27
